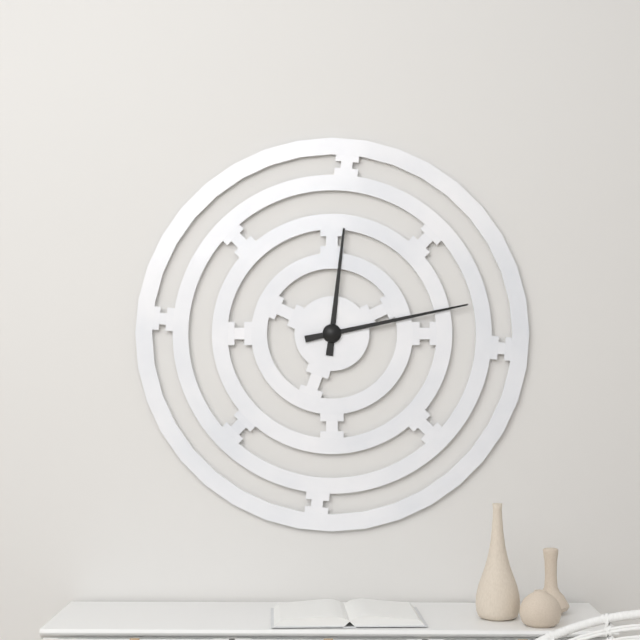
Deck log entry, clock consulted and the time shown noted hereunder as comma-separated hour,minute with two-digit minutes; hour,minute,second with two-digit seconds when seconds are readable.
12,13
